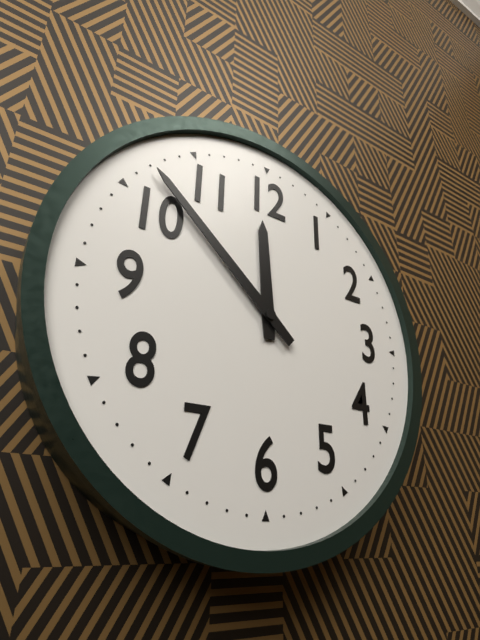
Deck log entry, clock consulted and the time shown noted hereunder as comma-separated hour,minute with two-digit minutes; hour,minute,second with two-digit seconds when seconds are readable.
11,52
